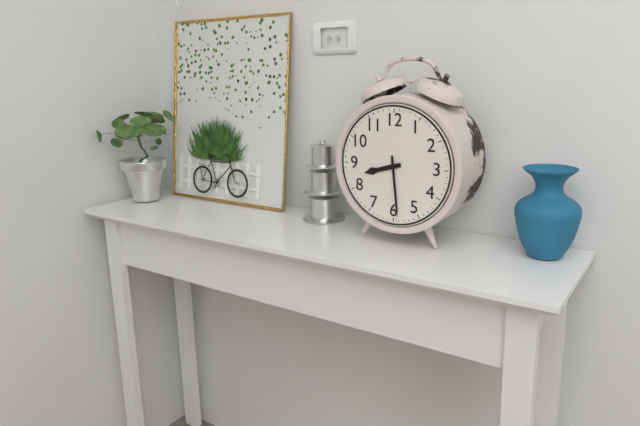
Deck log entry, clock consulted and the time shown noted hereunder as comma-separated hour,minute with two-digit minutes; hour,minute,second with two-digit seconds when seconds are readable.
8,29
